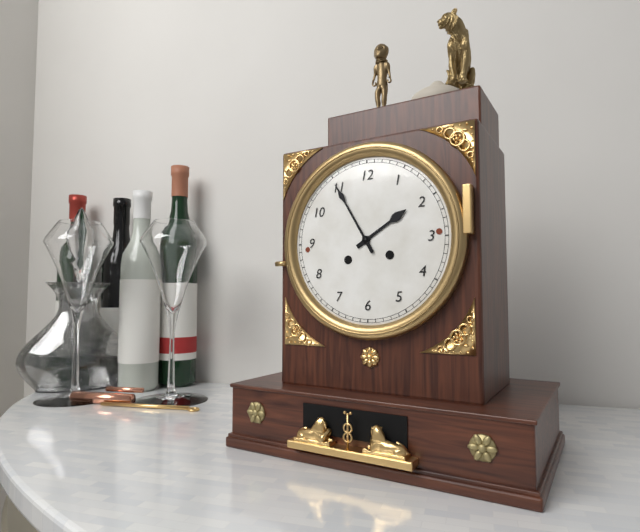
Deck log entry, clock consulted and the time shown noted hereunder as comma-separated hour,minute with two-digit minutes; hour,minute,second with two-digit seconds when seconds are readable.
1,55
